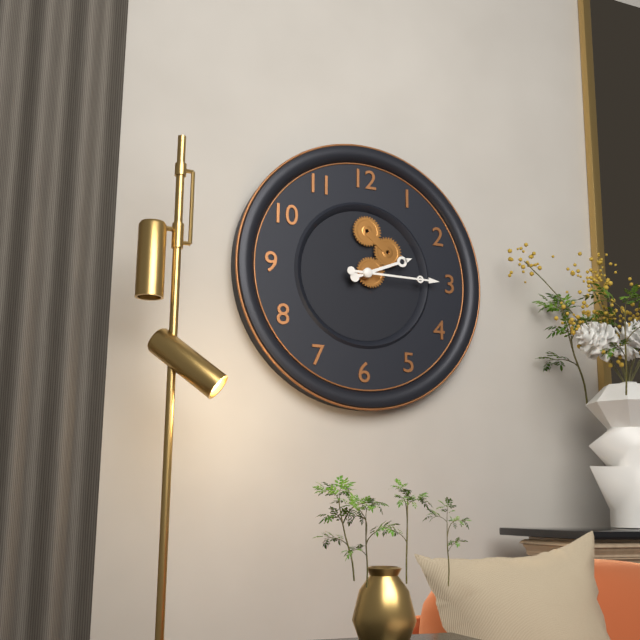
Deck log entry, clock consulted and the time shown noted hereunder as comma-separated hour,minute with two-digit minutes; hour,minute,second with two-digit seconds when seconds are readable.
2,15
